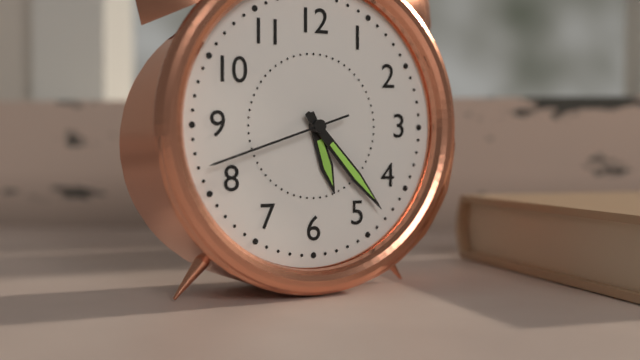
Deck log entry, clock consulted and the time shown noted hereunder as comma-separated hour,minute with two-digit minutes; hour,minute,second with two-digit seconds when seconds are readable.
5,23,42
